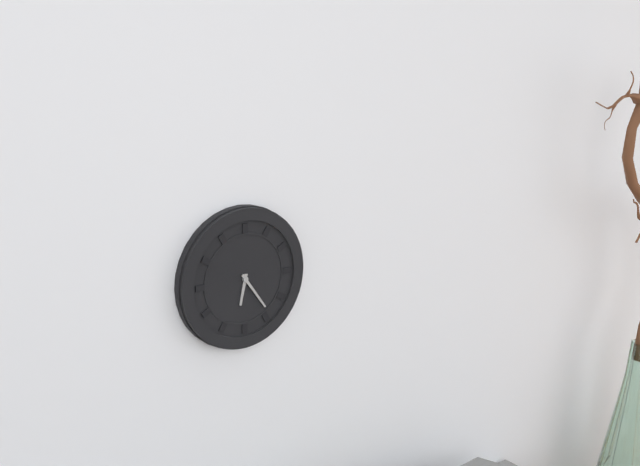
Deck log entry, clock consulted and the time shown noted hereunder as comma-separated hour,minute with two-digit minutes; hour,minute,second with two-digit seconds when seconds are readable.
6,24
